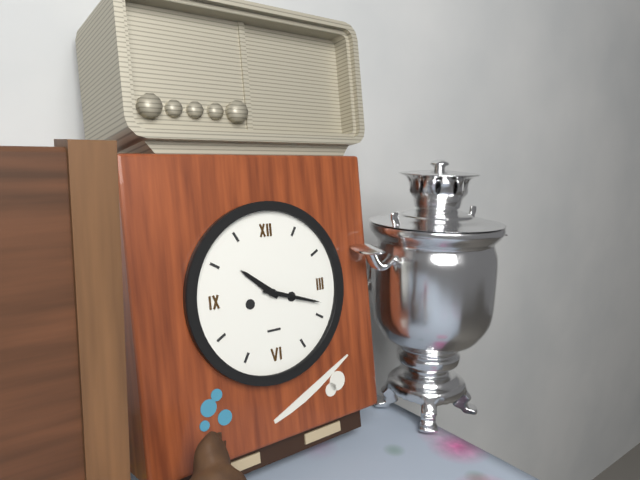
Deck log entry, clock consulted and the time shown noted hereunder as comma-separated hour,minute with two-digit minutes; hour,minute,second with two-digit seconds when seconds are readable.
10,18
